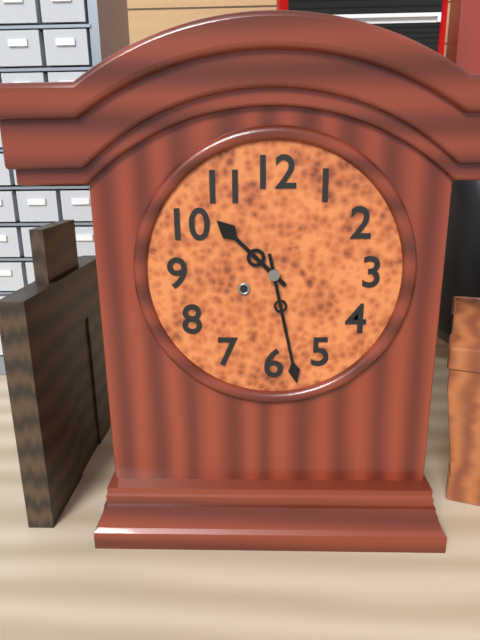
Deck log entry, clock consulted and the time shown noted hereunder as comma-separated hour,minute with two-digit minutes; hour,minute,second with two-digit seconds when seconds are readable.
10,28
